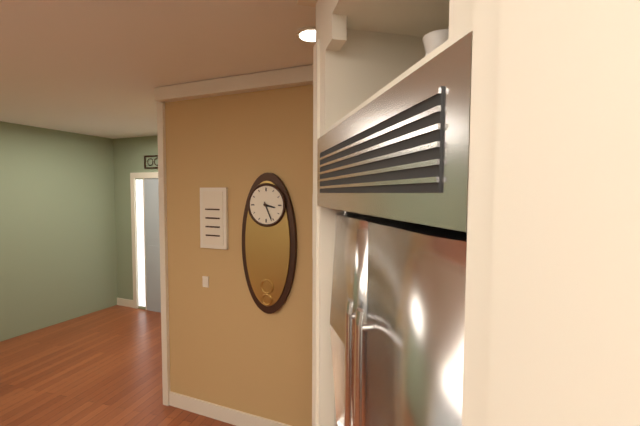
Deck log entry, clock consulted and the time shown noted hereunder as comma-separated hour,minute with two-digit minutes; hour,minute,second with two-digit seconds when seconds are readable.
3,26
